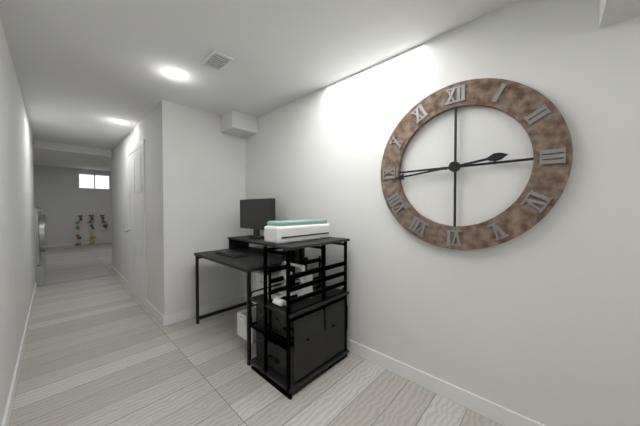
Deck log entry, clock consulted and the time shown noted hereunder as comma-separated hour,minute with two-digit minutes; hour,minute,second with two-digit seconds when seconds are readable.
2,44
